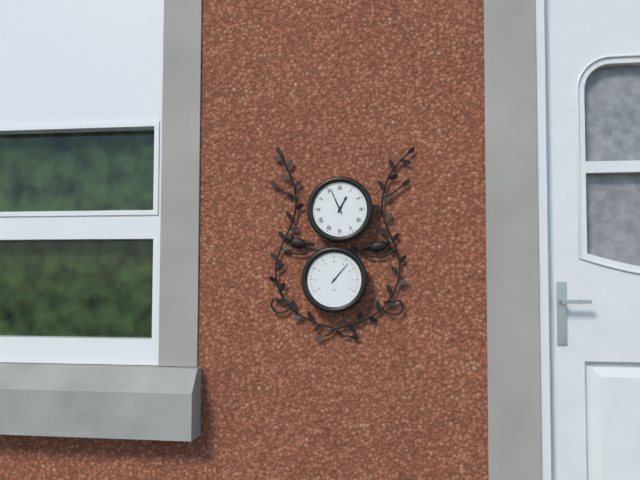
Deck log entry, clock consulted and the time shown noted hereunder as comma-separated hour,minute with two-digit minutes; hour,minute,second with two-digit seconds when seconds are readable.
12,56
